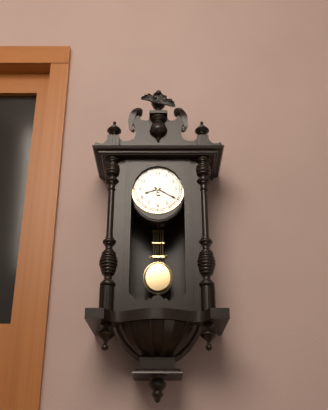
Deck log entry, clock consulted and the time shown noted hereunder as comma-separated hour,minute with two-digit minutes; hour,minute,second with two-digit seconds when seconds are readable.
8,20
